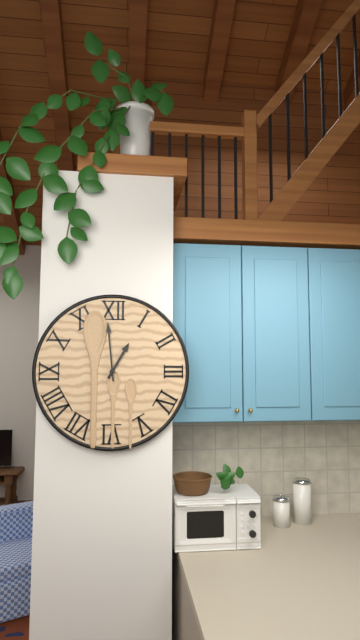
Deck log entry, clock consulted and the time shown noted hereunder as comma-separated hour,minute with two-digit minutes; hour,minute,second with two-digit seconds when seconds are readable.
12,59
